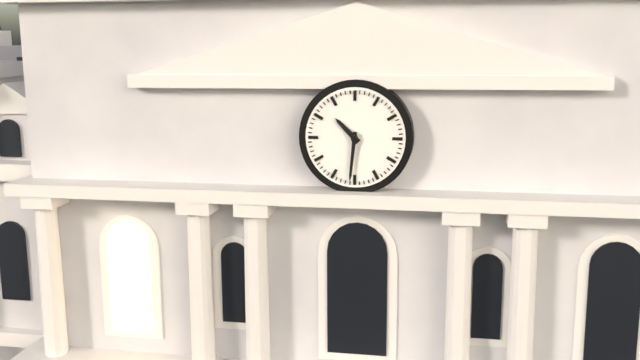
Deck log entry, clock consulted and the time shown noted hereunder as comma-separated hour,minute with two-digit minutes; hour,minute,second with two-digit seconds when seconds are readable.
10,31
